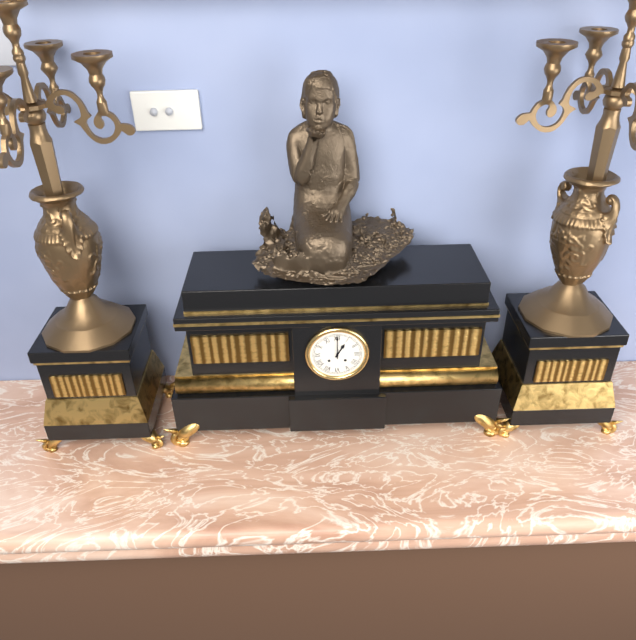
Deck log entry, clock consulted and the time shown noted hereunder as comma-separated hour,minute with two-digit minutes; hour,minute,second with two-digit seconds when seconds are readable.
1,00
